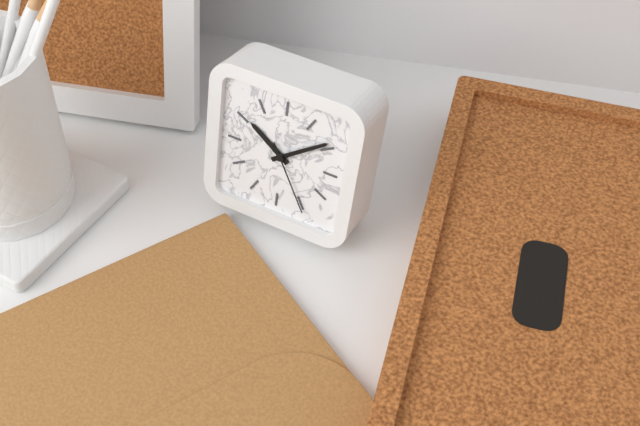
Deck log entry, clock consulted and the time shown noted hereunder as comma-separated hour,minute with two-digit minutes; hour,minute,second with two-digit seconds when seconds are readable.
10,09,25
